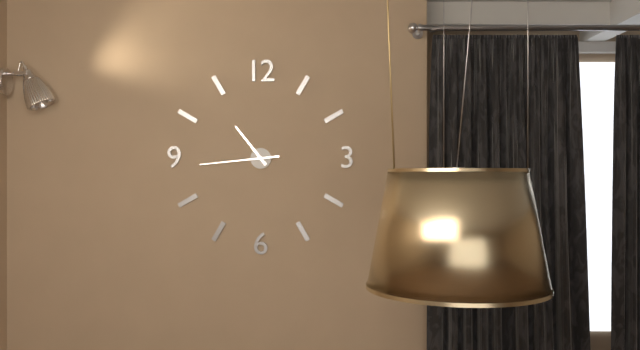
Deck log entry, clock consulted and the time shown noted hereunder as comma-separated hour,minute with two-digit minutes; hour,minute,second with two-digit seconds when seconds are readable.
10,44
